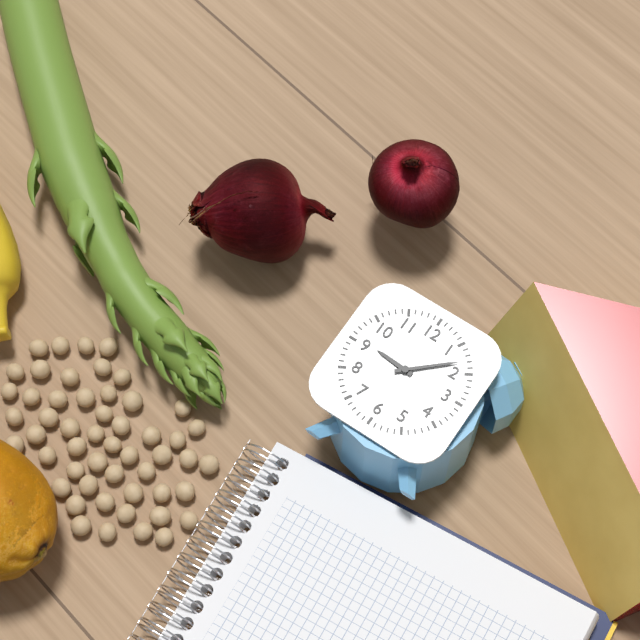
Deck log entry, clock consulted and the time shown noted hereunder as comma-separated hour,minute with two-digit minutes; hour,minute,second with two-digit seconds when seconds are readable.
9,08
